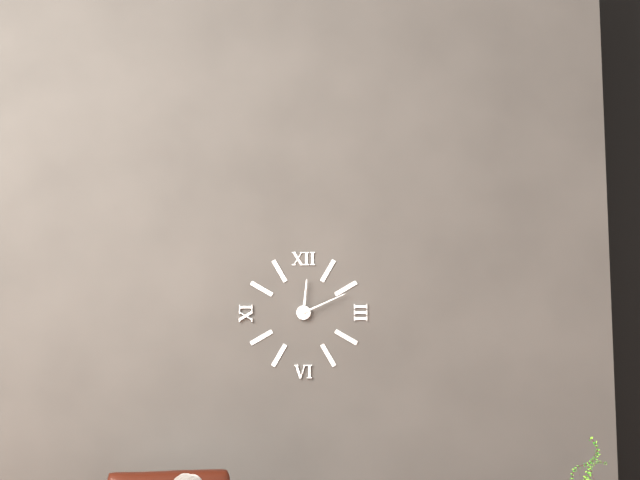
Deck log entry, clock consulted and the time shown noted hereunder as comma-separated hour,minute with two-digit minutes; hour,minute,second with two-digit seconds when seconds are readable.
12,11
